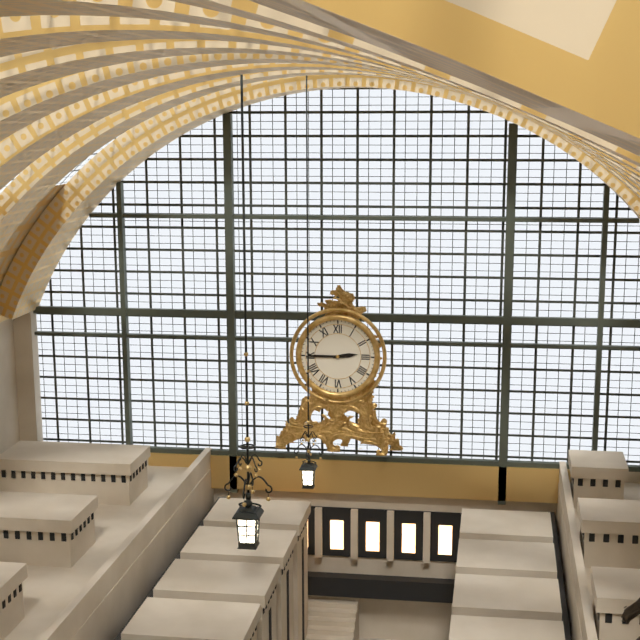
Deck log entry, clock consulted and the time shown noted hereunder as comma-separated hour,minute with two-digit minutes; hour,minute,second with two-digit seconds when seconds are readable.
2,45
